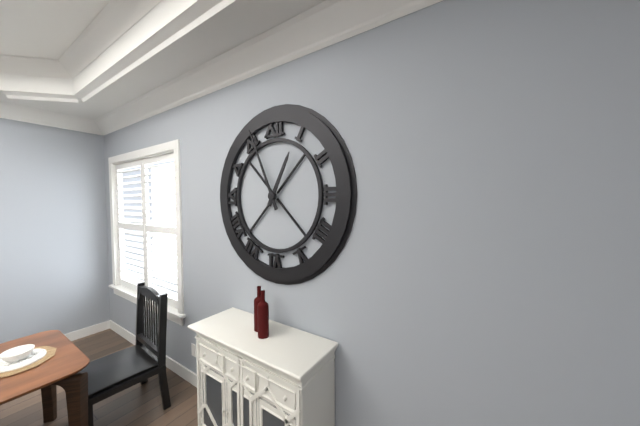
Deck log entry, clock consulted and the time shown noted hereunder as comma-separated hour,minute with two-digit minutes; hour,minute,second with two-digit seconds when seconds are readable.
12,56
